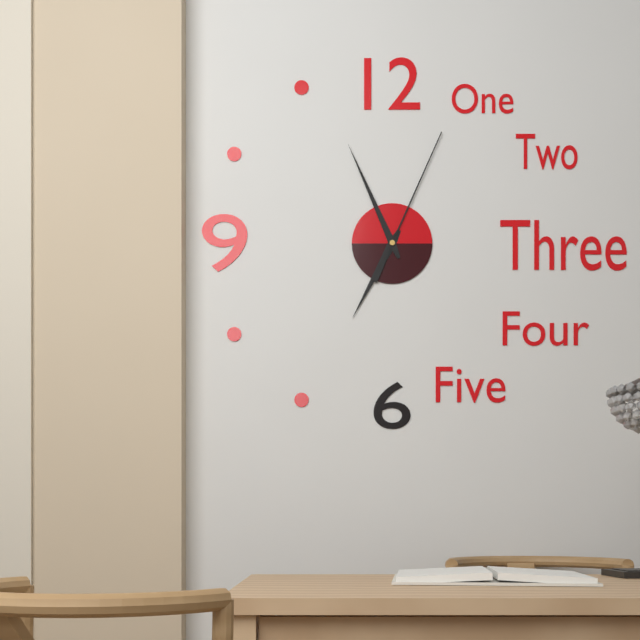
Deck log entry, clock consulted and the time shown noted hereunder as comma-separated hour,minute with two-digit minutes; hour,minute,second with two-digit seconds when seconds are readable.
6,56,04
